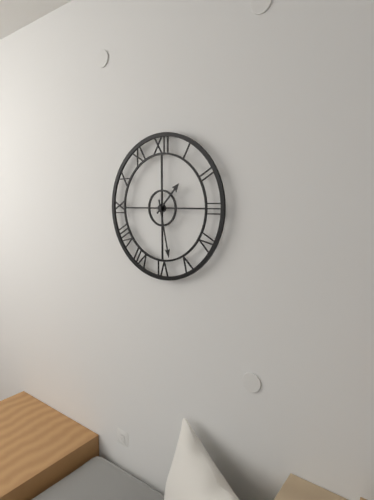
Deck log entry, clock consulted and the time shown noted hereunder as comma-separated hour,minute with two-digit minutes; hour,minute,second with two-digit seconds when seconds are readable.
1,28
